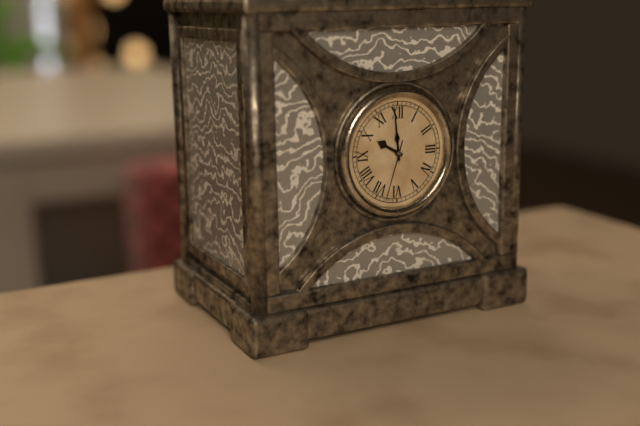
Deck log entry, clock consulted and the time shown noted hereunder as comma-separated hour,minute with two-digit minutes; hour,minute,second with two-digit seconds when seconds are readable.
9,59,33
